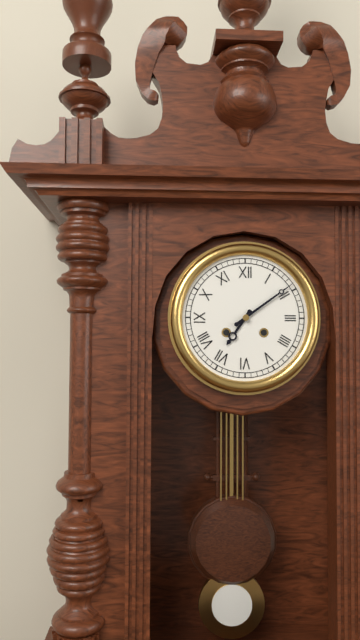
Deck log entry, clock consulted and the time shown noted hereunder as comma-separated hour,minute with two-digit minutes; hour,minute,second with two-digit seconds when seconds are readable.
7,09
